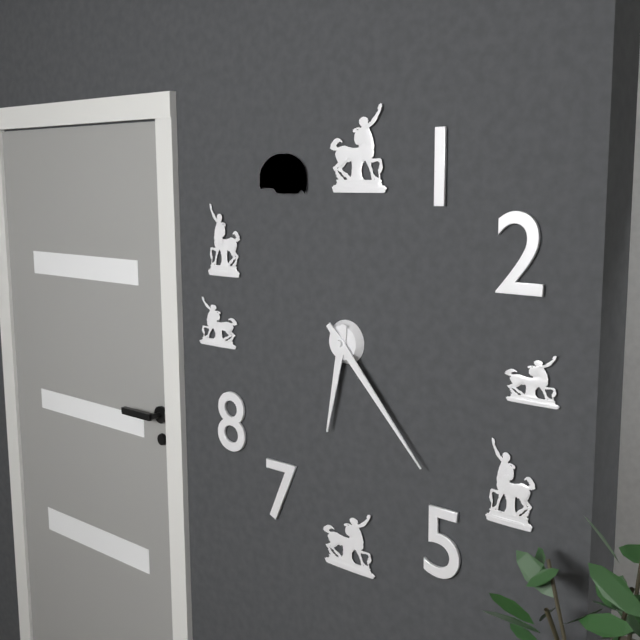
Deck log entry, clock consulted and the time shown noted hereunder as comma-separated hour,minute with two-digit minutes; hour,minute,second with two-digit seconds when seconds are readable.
6,23
